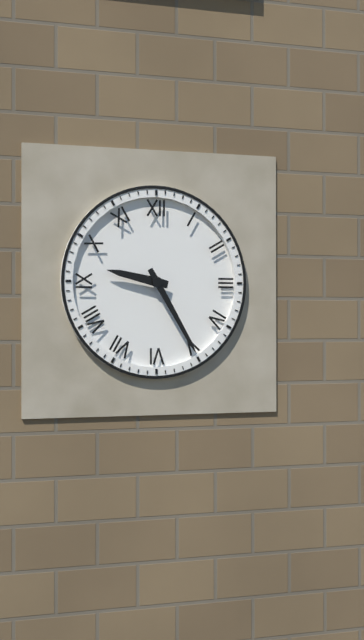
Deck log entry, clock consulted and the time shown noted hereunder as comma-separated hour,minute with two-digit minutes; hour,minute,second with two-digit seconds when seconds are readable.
9,25
